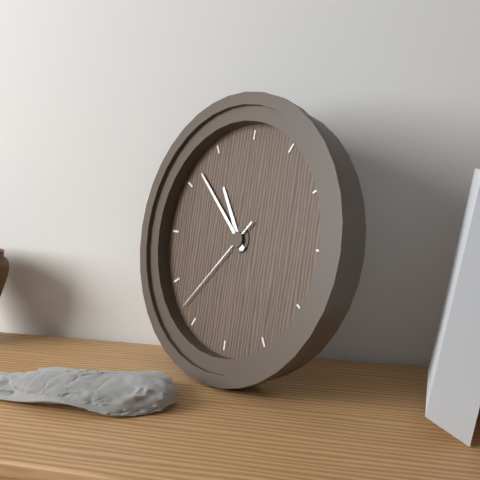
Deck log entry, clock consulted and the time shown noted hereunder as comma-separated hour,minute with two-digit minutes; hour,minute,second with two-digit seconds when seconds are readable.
10,52,37
